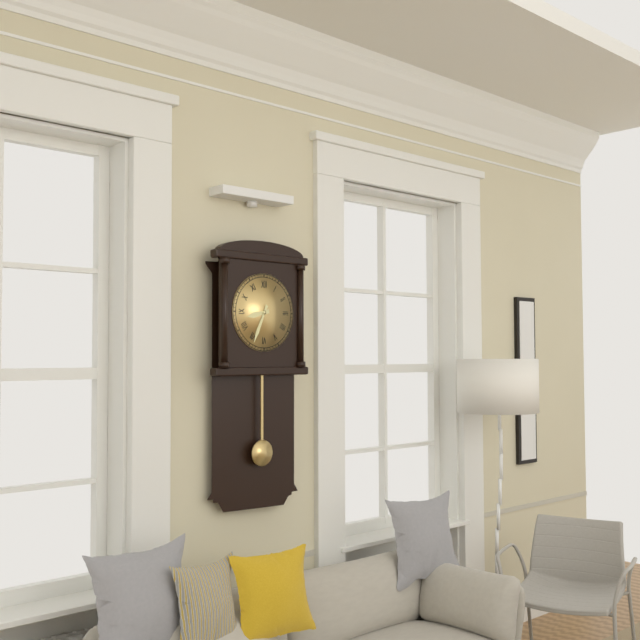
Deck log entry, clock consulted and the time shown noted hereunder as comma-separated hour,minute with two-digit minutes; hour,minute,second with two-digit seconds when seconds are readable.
8,34
